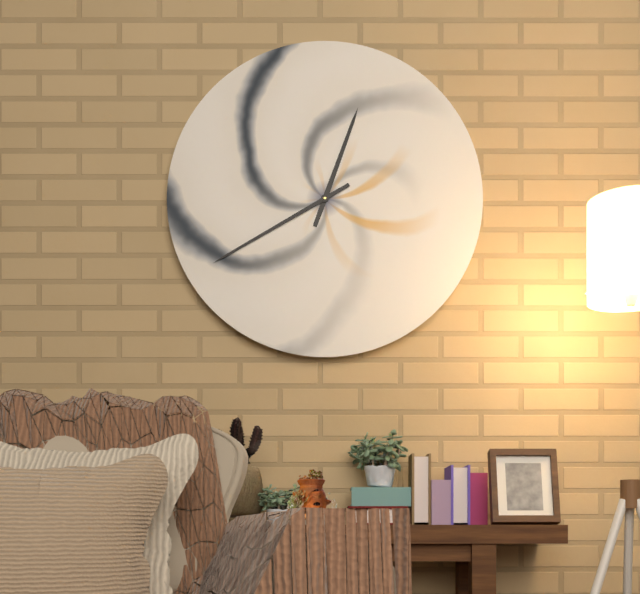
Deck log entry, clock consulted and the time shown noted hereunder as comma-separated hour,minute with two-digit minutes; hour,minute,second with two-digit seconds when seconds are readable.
12,40
